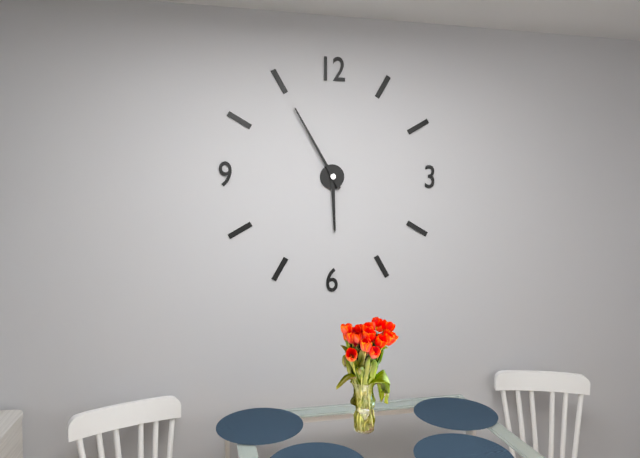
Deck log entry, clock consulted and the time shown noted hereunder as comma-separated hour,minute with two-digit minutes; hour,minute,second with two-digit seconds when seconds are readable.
5,55
